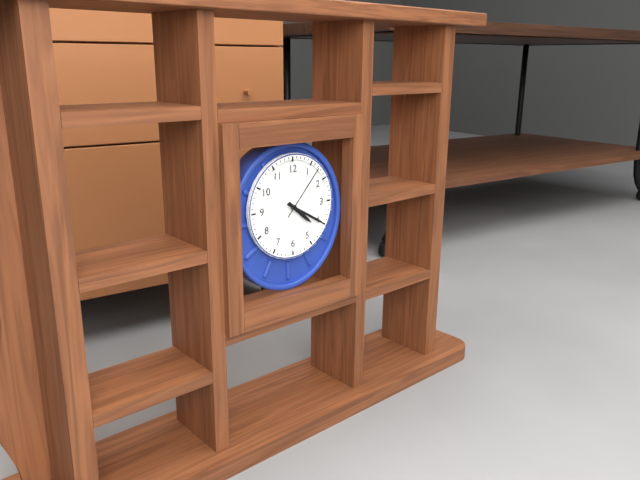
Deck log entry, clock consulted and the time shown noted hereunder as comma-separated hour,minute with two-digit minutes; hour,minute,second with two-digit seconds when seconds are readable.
4,20,07
